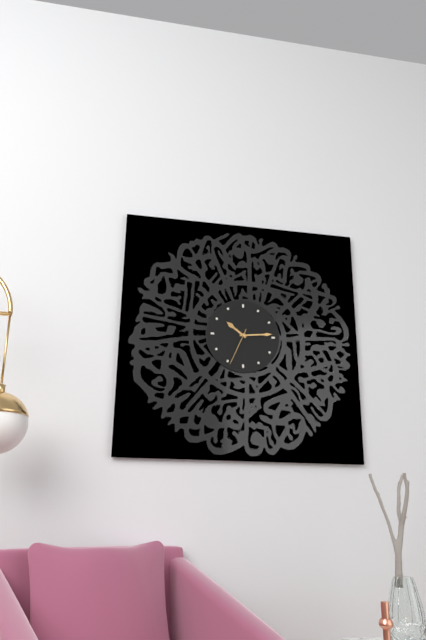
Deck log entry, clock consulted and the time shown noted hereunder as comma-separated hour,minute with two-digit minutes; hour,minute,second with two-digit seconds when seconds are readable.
10,14
